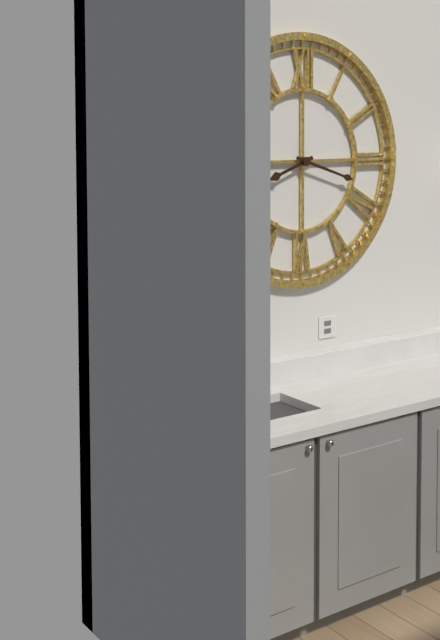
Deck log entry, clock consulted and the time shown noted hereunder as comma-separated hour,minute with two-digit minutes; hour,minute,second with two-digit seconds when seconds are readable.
8,18
